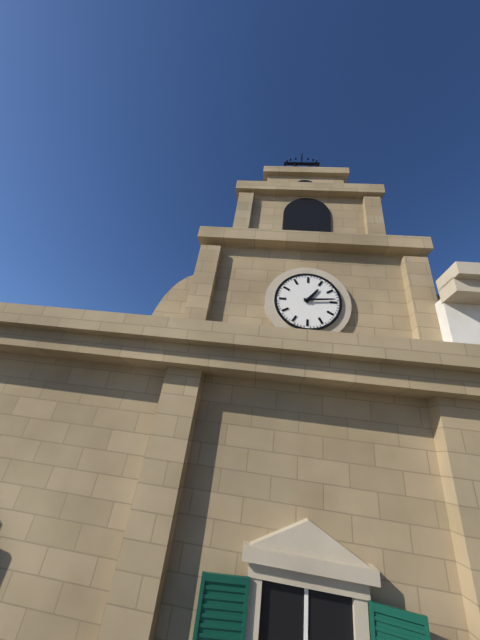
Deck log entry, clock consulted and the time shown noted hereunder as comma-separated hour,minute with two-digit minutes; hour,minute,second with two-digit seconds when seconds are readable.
1,14
